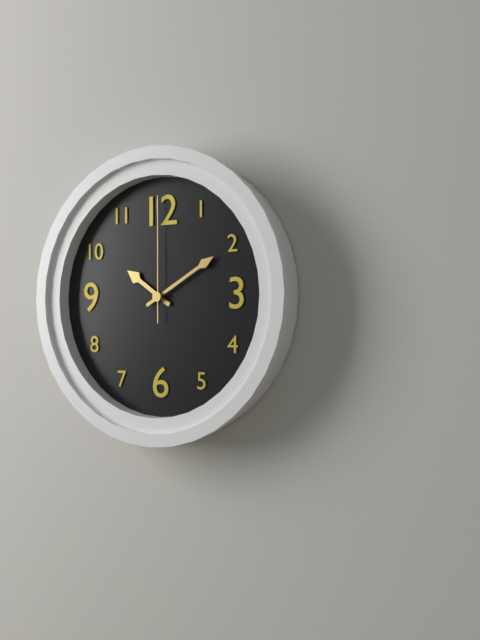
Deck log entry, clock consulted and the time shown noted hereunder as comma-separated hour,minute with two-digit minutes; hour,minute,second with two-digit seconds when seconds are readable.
10,10,00
